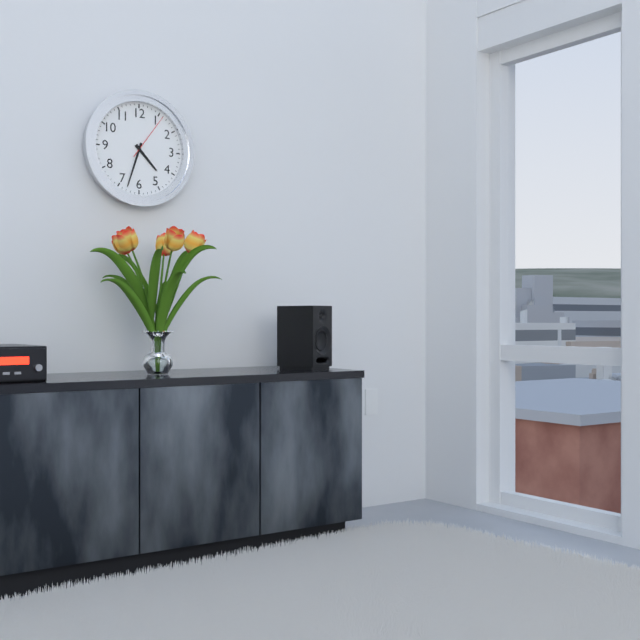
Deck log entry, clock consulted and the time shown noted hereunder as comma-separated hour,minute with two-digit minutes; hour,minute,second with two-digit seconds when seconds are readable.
4,33,06
